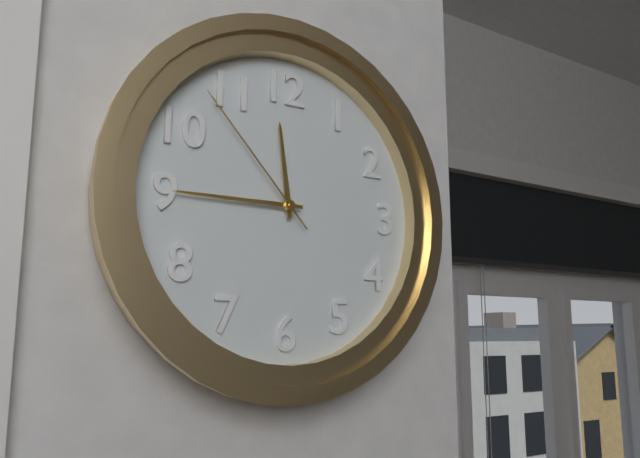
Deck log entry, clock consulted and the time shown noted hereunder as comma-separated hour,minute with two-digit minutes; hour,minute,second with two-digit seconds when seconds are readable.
11,45,53
